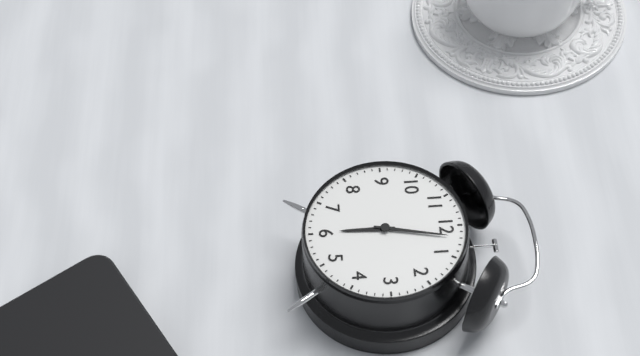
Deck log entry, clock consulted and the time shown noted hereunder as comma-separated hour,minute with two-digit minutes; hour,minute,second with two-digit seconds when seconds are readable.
6,02
